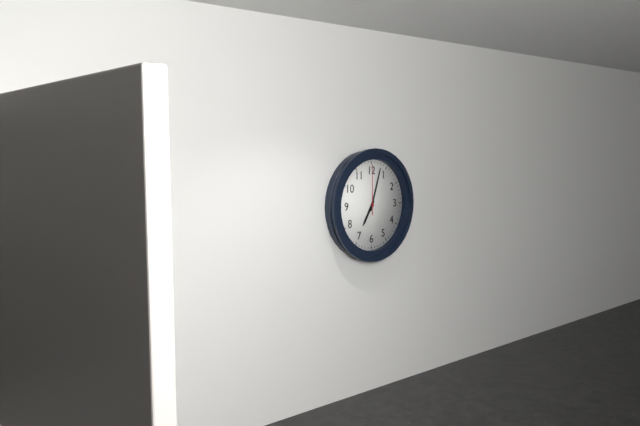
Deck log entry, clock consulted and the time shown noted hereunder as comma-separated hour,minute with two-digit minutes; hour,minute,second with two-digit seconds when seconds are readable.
7,03,00
